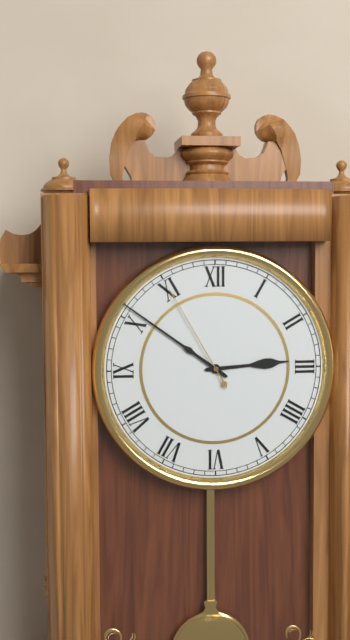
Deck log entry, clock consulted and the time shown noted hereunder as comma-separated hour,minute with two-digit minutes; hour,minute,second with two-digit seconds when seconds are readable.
2,51,55
